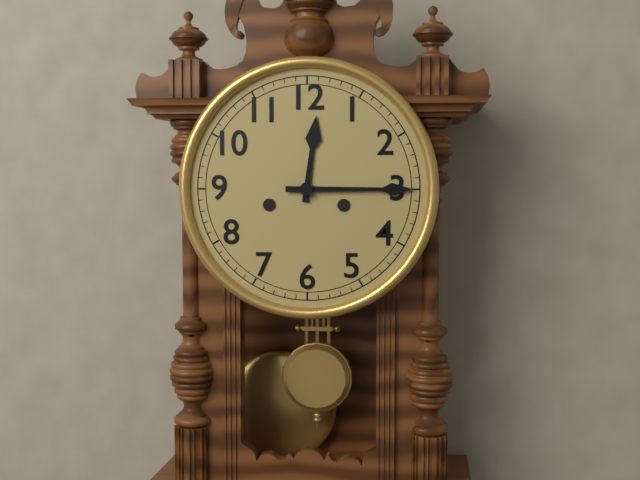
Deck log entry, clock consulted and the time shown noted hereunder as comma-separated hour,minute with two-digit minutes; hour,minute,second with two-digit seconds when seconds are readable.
12,15
